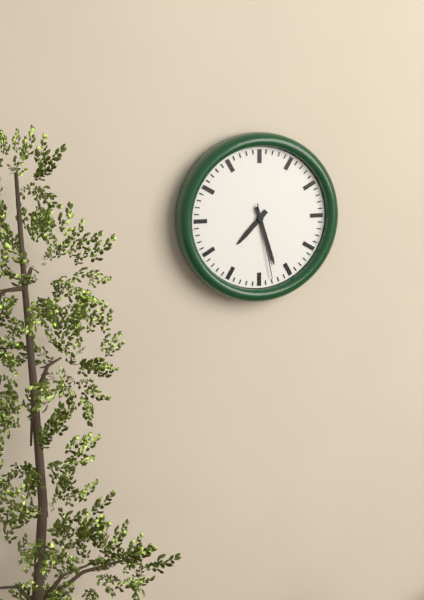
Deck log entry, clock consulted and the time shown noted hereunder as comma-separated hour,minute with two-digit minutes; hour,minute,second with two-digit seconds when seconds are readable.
7,27,28
